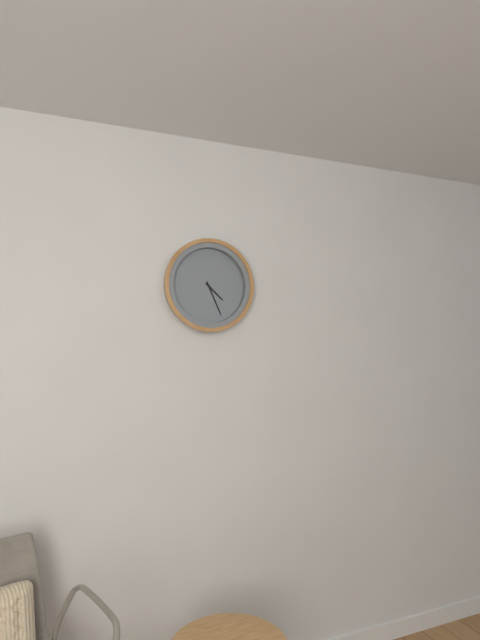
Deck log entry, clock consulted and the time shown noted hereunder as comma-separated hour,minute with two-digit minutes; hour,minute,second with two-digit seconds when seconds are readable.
4,26
